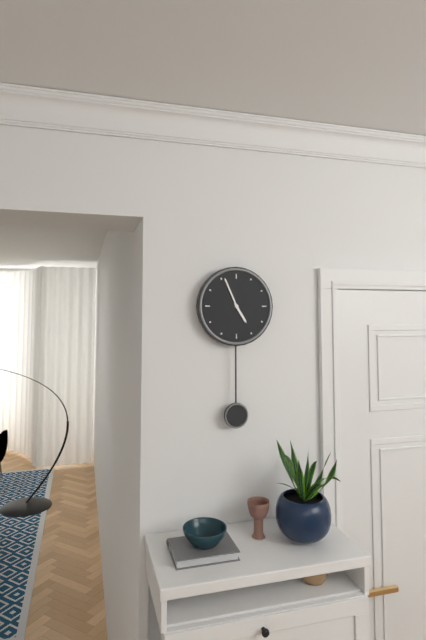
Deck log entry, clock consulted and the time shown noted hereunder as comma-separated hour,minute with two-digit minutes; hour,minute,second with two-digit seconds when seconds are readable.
4,56
